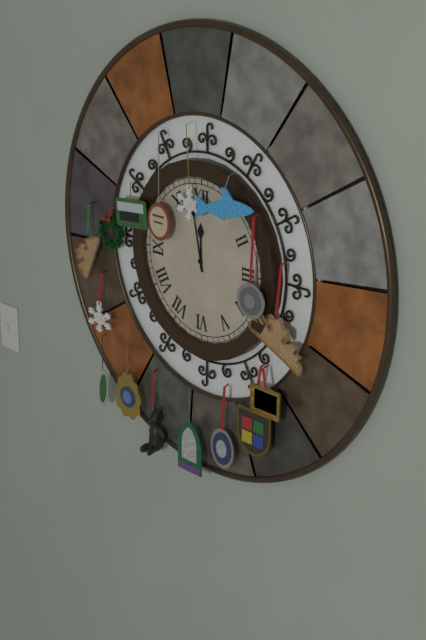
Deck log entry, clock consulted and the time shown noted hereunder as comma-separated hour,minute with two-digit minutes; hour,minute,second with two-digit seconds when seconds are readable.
11,58
